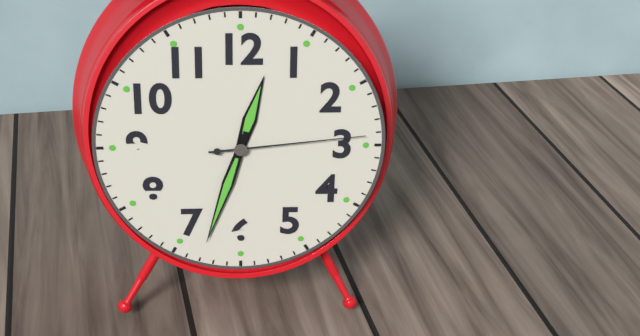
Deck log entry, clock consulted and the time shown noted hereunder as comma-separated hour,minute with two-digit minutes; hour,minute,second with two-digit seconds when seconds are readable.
12,33,14
